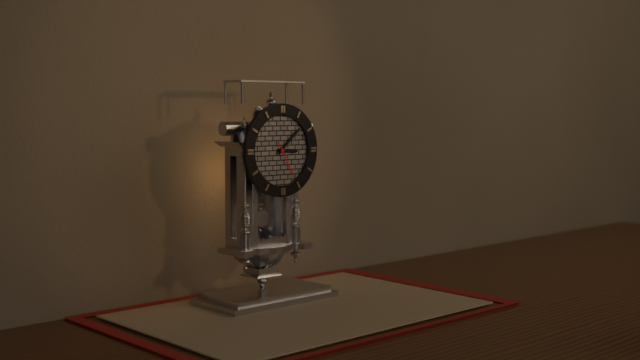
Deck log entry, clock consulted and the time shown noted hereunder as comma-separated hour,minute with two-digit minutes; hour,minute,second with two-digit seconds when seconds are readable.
3,08
